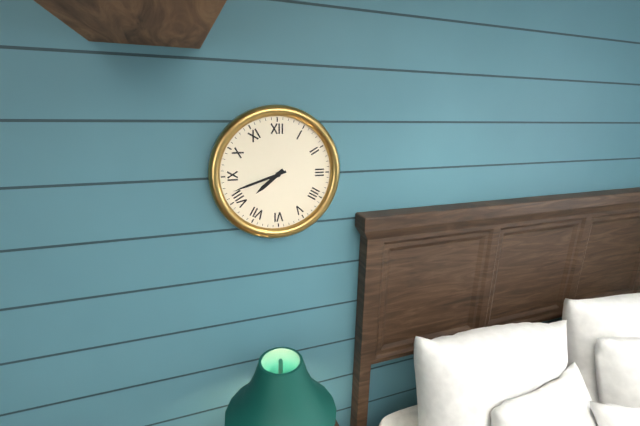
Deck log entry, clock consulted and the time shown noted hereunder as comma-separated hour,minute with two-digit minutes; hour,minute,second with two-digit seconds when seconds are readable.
7,42
